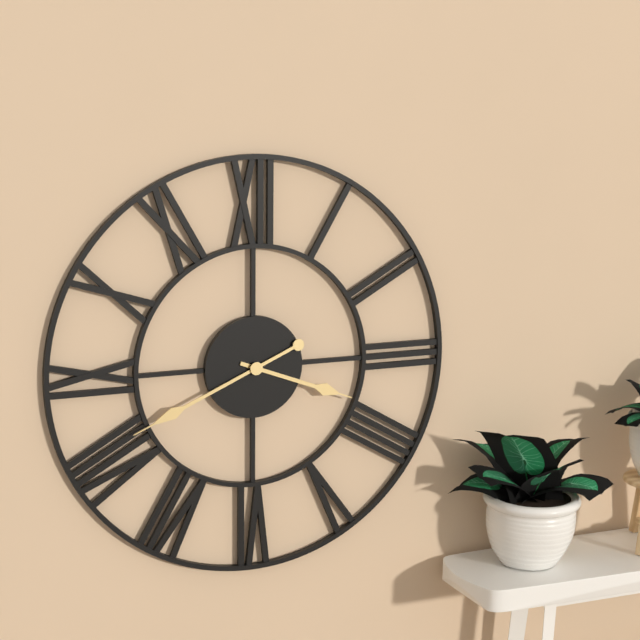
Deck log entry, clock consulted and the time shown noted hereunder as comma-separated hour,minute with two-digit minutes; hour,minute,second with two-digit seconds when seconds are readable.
3,41
